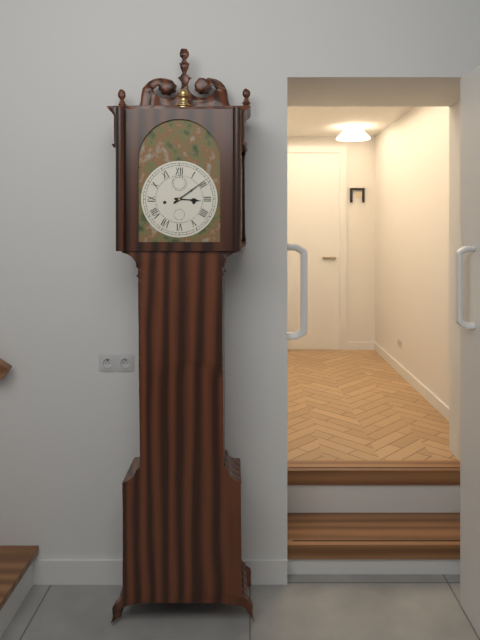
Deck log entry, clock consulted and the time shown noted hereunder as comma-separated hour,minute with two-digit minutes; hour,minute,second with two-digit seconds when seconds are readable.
3,09
